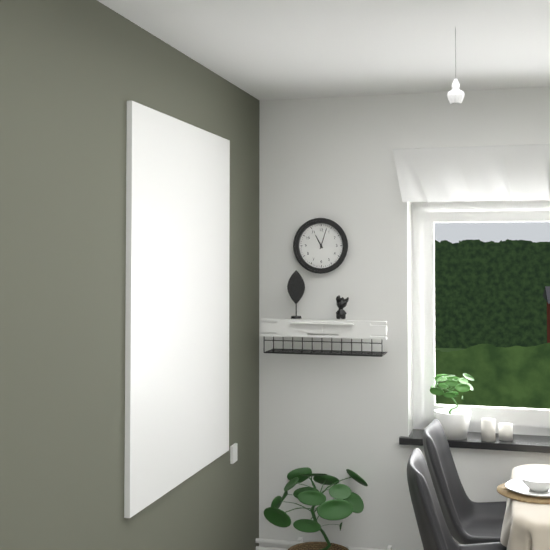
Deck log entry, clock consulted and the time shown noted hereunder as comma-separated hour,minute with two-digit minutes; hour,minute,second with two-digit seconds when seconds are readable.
11,03
